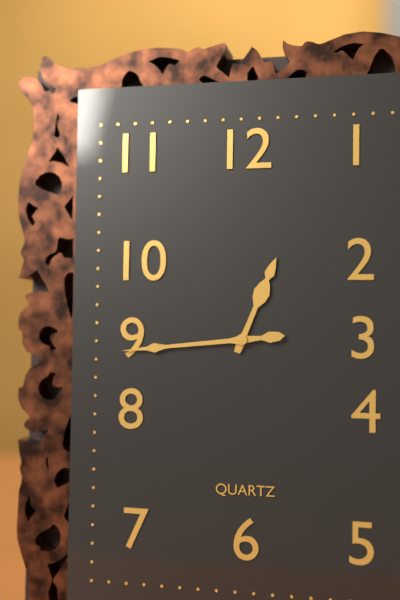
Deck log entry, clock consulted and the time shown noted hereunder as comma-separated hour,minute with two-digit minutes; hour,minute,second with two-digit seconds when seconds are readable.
12,44
